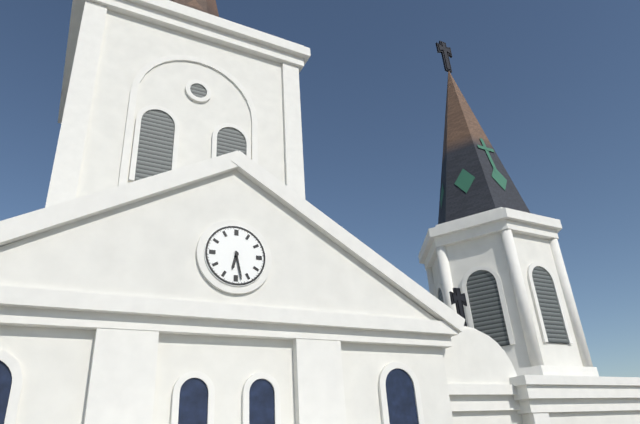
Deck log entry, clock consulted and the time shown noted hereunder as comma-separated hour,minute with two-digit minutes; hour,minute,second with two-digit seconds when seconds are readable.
6,28
